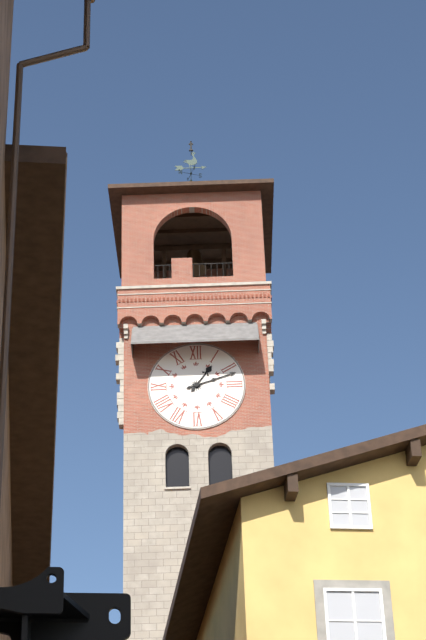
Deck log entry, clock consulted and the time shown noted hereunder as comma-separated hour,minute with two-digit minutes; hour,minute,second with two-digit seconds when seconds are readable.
1,12
